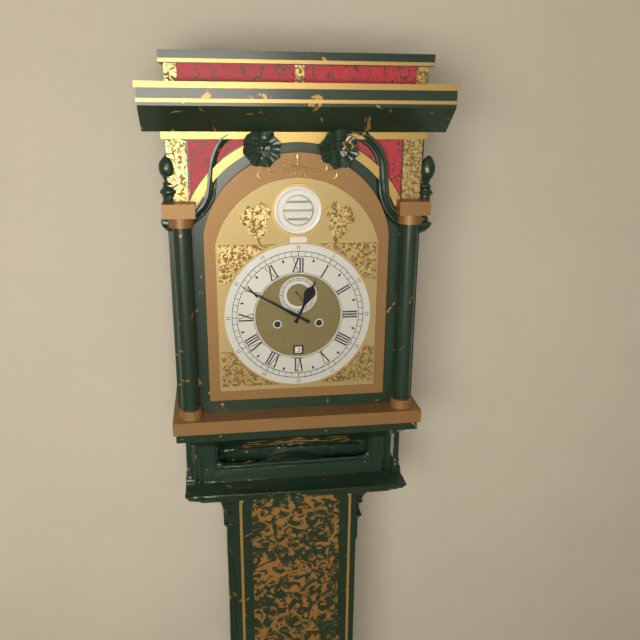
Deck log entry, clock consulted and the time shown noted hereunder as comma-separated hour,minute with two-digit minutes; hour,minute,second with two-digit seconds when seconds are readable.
12,50
